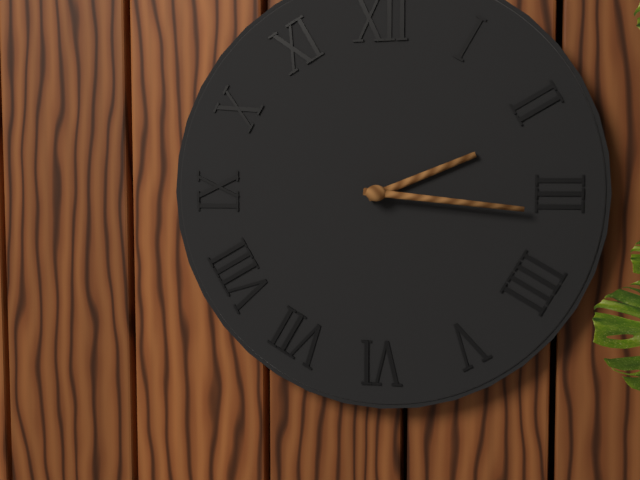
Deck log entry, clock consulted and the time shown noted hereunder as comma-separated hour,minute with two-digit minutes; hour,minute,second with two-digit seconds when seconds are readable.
2,16
